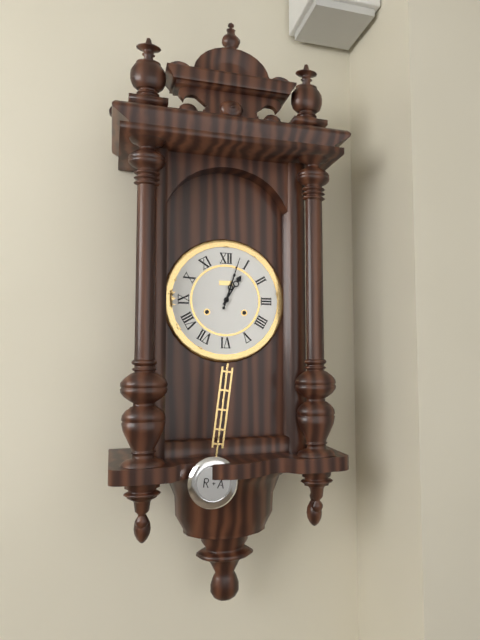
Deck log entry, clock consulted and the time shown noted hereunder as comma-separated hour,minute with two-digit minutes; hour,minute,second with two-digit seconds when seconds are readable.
1,03
